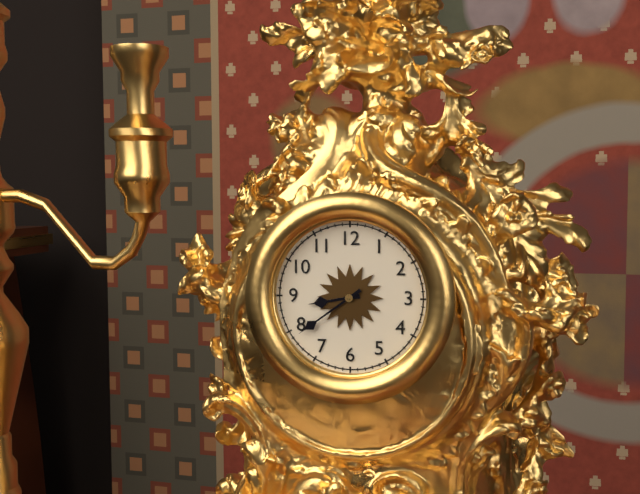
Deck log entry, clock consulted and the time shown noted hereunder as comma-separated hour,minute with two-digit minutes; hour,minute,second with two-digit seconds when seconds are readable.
8,39
